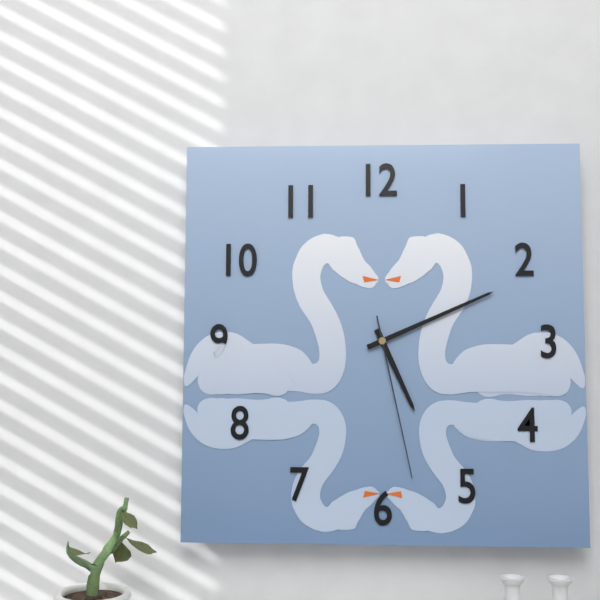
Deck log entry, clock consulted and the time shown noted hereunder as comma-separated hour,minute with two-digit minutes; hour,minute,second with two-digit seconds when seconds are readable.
5,11,28
